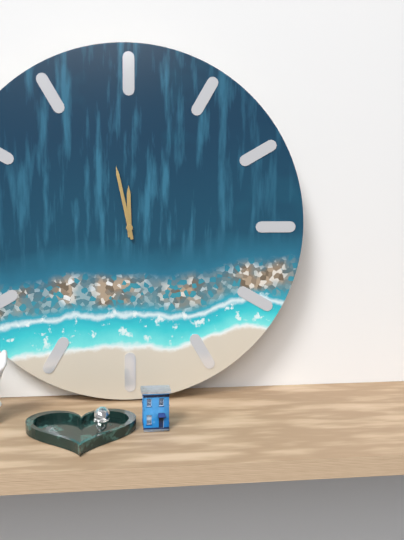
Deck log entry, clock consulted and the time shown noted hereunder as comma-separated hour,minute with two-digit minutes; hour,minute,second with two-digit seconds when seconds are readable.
11,58
